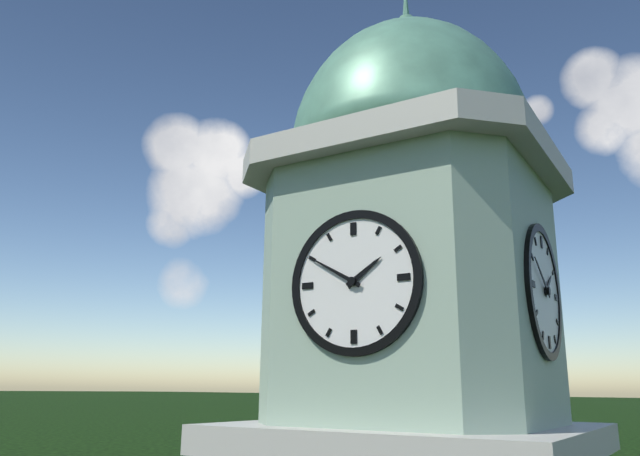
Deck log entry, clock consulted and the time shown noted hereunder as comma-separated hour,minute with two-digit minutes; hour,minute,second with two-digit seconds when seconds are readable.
1,50
